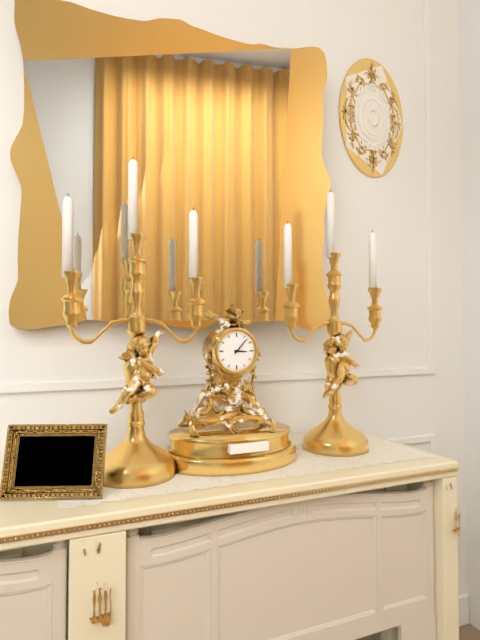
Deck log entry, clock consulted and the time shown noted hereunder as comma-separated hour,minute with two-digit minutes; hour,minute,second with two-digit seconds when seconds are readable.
3,07
